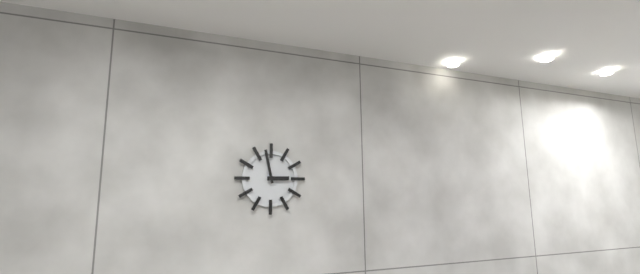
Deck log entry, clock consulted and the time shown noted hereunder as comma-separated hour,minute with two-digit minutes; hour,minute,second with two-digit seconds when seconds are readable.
2,58
